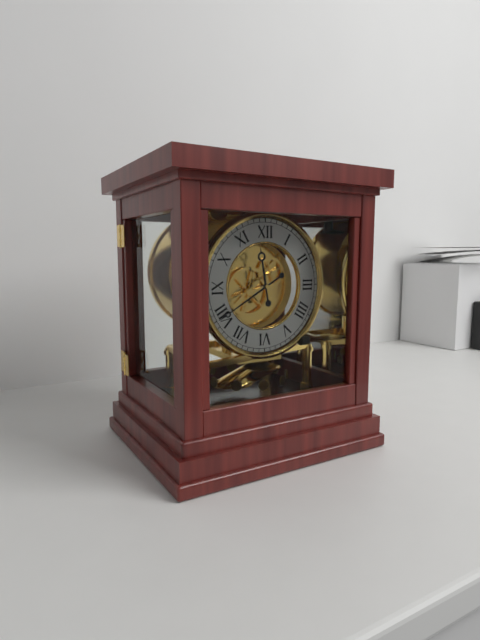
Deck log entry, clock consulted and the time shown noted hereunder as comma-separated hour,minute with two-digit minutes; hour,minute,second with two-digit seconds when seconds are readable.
11,40
